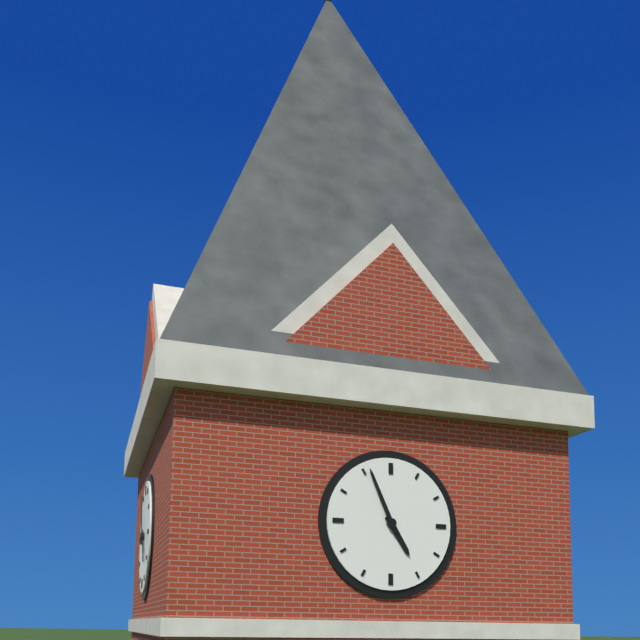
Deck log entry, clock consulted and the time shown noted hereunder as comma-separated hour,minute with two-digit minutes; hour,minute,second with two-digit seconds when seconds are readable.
4,56
